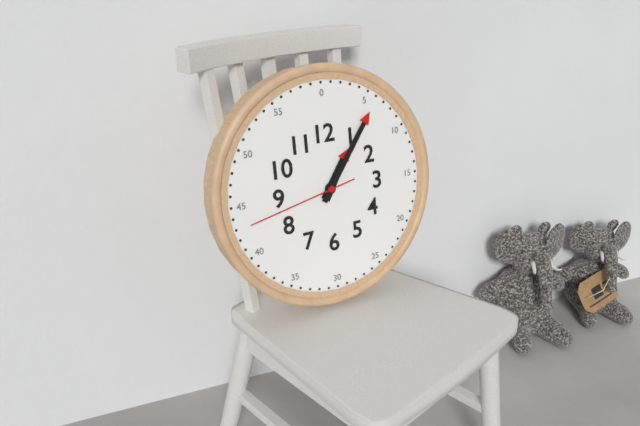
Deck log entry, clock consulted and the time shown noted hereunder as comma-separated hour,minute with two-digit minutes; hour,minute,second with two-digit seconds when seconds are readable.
1,06,43
